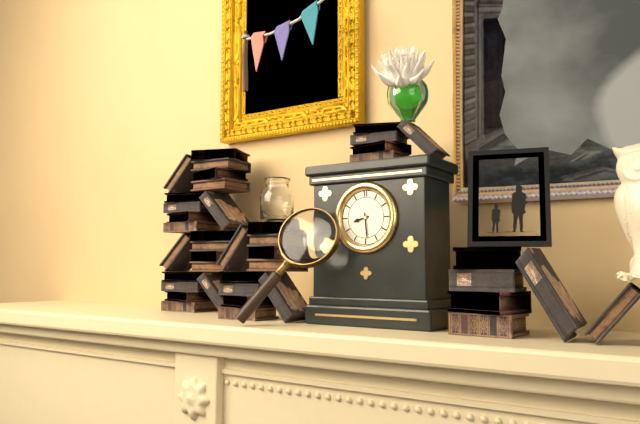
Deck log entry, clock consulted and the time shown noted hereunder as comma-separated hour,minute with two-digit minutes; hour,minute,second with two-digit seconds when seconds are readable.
8,29
